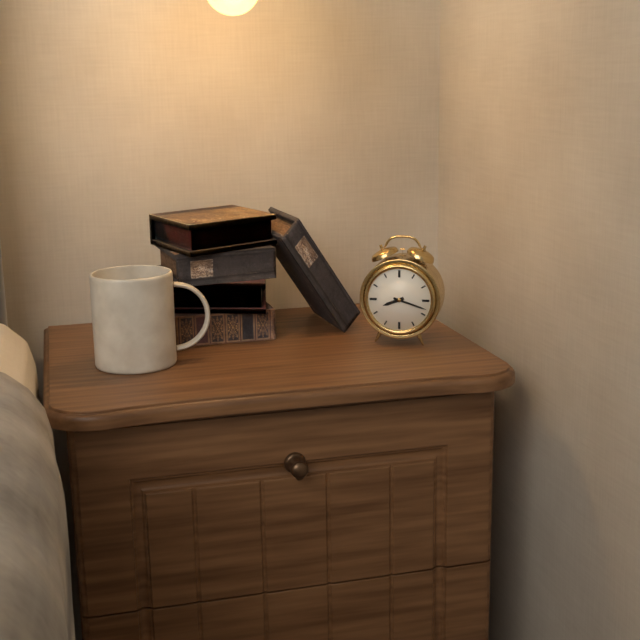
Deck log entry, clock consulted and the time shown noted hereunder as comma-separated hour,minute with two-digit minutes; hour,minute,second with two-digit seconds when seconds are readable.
8,18
